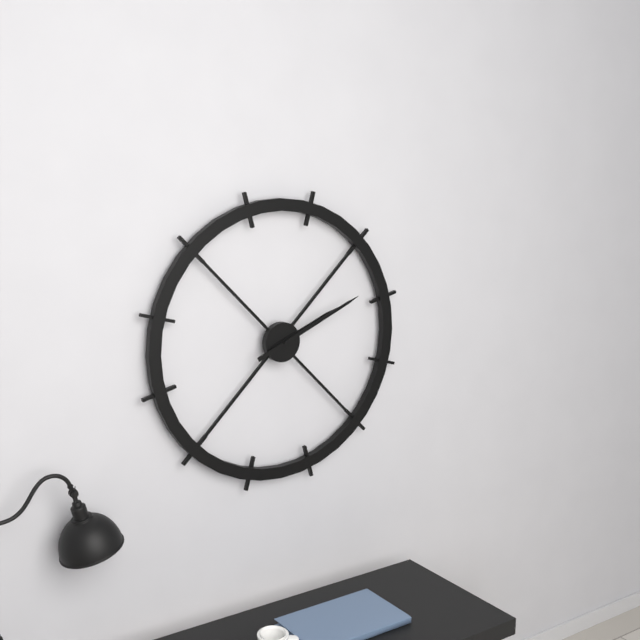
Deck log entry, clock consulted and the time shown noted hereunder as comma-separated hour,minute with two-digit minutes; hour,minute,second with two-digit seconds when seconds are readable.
2,11
